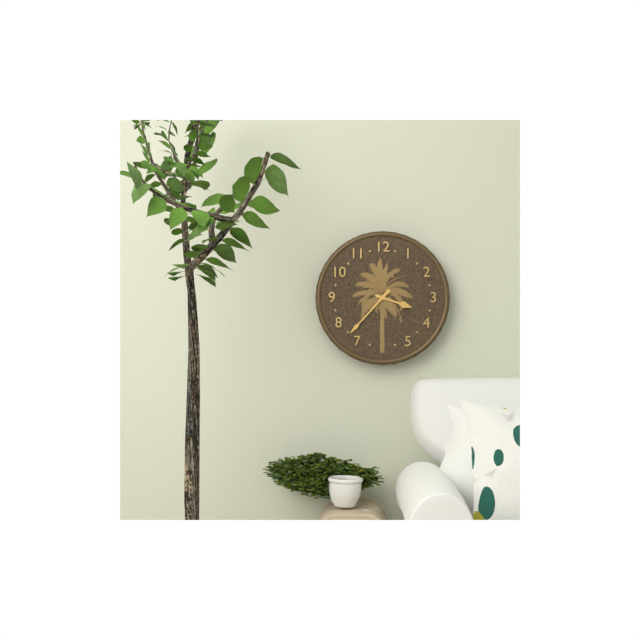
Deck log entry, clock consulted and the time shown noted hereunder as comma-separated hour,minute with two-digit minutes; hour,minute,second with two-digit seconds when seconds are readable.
3,37
